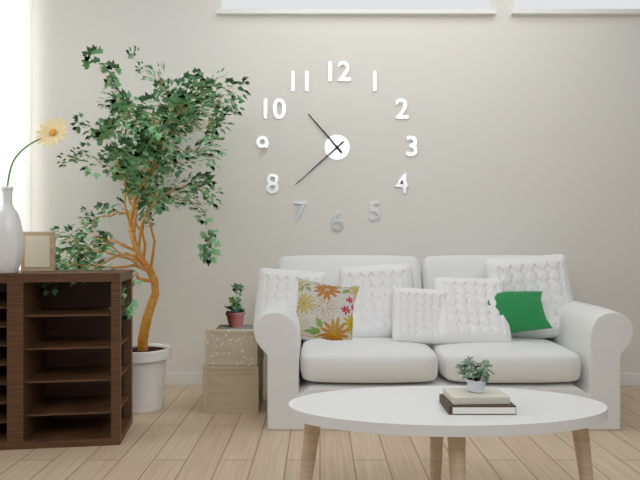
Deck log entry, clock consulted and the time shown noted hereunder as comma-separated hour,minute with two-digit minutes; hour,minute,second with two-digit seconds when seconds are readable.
10,38
